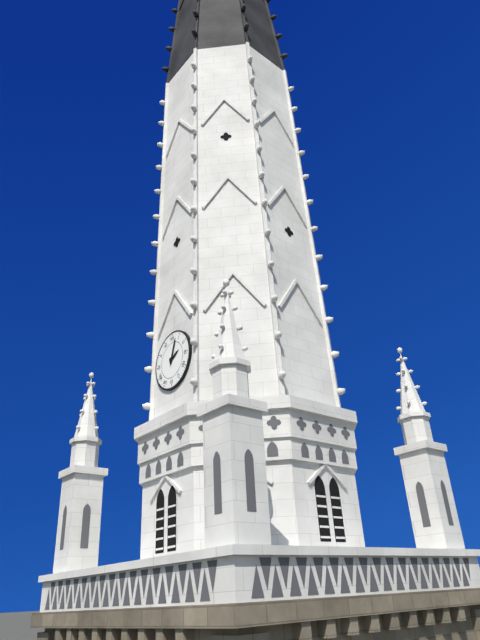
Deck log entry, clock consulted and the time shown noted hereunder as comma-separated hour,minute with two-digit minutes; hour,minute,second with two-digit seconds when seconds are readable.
2,03
